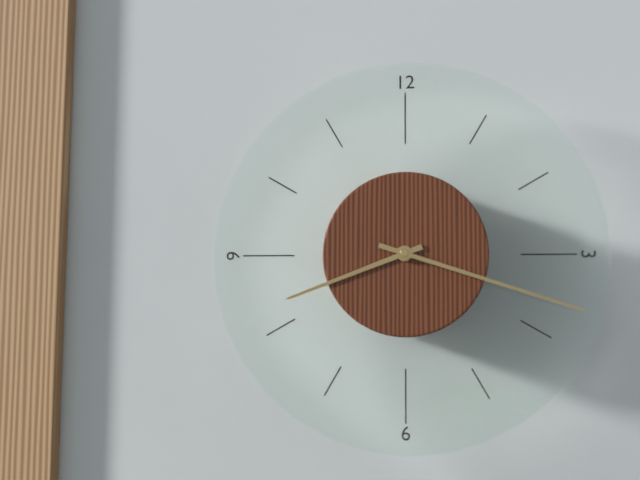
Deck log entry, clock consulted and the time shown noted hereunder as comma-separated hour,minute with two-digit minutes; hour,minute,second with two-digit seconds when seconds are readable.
8,18
